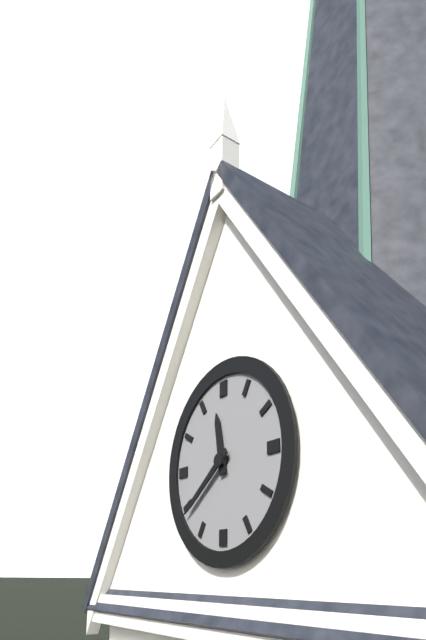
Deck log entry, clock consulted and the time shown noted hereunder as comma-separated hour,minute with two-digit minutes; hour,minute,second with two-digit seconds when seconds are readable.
11,39
